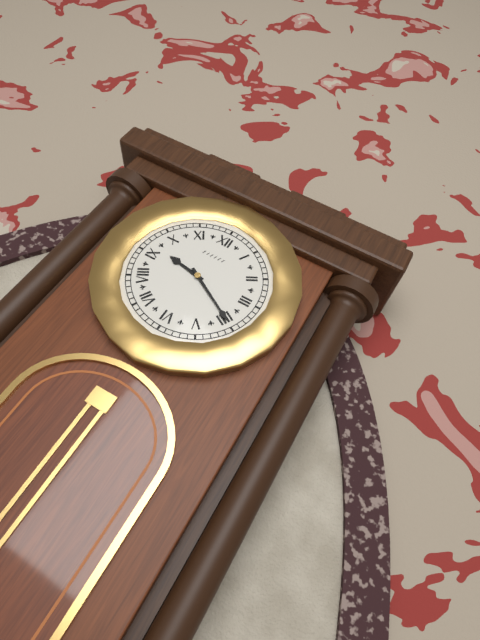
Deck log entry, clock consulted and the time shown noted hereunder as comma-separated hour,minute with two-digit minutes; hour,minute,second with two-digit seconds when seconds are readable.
9,20
